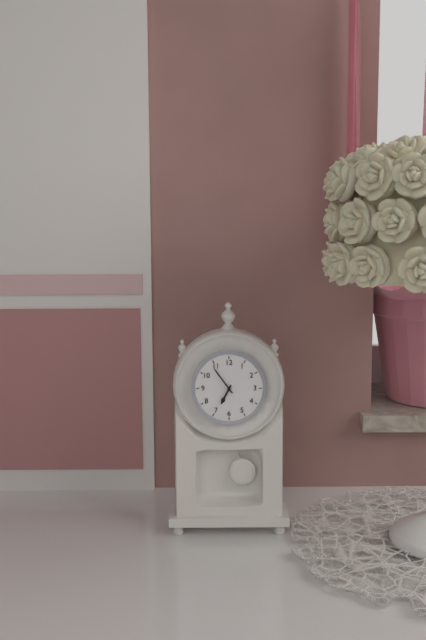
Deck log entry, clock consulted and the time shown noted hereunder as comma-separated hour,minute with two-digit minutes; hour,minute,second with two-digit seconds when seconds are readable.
6,54
